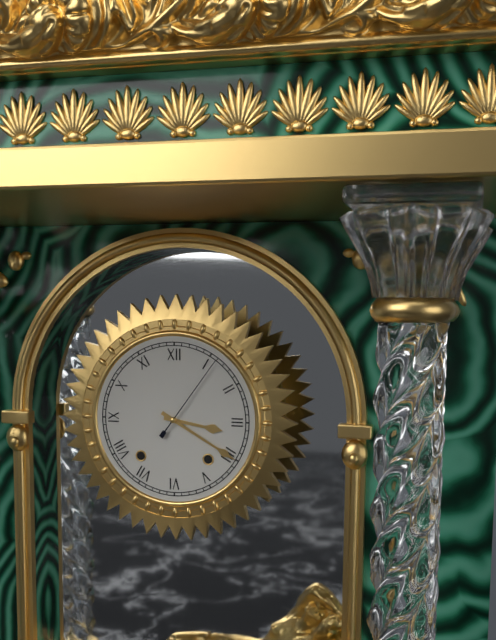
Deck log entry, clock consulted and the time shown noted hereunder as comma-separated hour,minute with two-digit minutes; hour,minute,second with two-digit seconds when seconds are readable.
3,20,06
